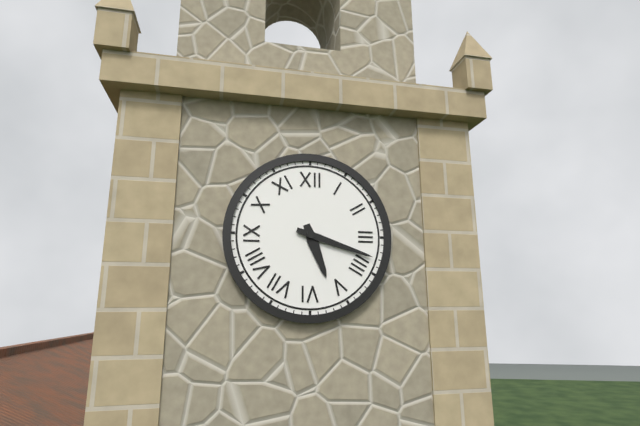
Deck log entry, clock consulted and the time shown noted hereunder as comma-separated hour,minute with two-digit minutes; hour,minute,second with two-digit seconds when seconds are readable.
5,18
